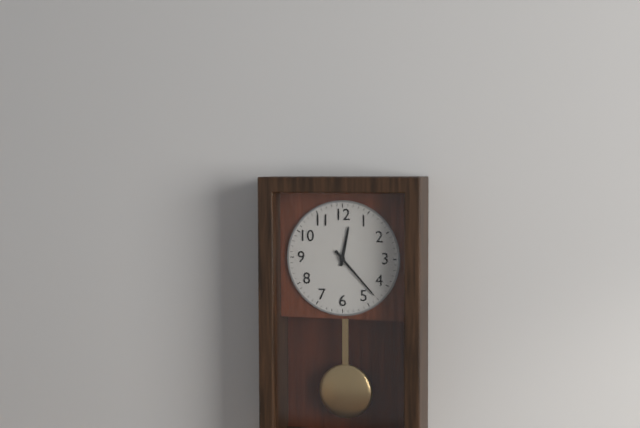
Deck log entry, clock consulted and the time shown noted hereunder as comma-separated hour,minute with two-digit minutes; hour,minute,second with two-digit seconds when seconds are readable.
12,23
